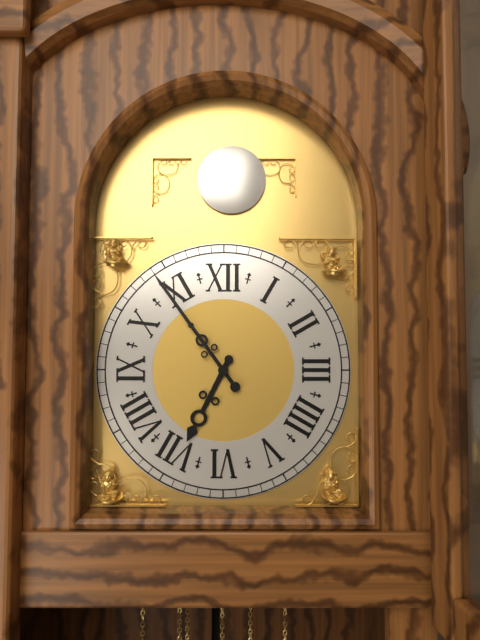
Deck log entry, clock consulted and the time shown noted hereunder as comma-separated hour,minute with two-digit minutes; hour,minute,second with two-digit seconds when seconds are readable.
6,54
